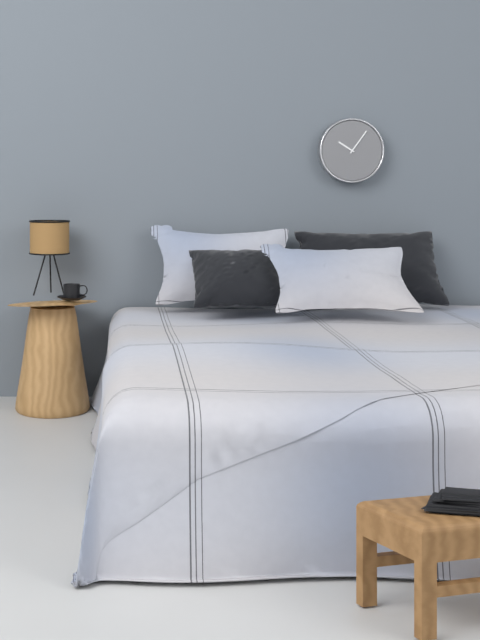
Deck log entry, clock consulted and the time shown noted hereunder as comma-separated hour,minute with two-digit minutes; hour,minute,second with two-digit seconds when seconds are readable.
10,06
